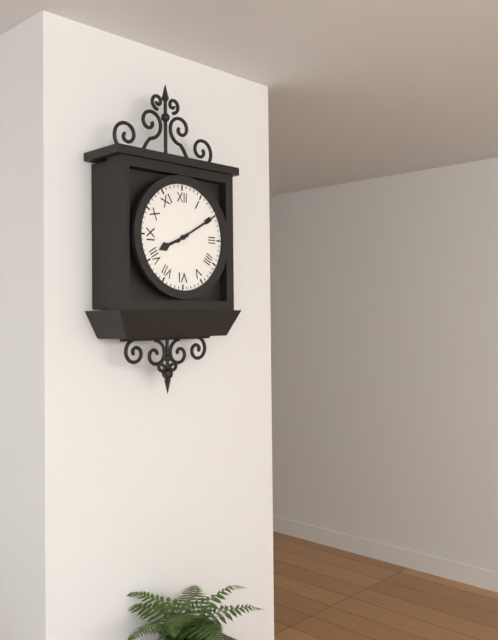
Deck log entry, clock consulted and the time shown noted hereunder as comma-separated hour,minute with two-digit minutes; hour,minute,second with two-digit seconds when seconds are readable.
8,10
